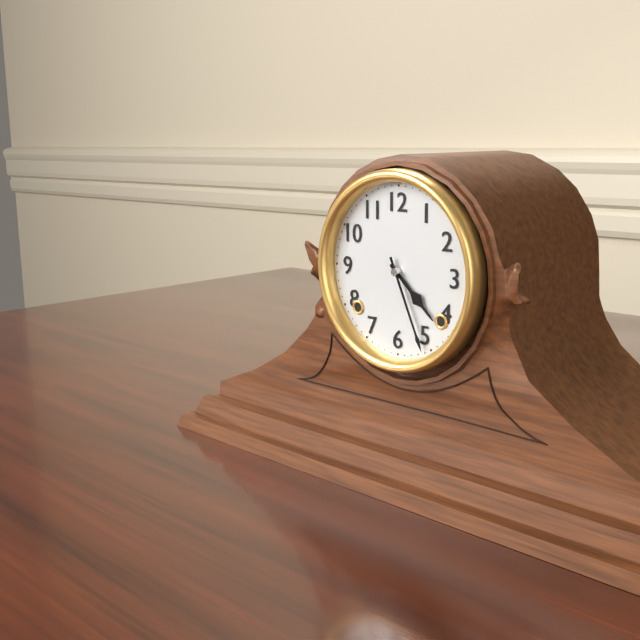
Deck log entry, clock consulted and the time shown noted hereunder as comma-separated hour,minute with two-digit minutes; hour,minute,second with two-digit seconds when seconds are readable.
4,26
